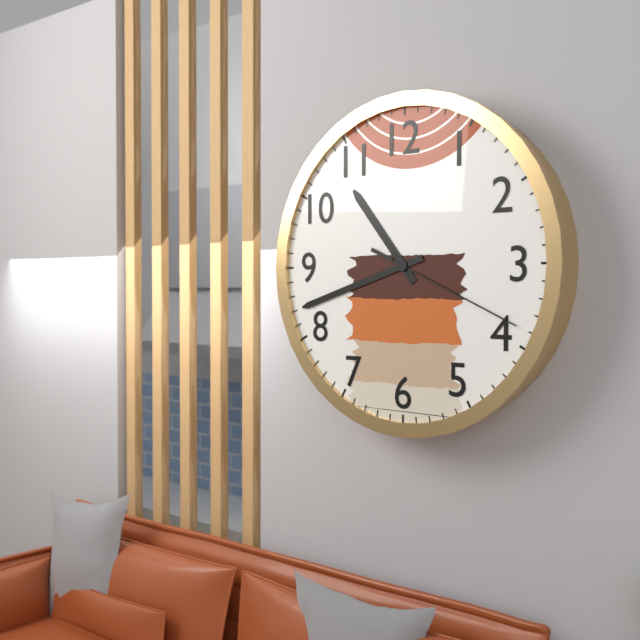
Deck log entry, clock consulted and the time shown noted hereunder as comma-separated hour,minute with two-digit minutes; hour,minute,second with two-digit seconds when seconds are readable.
10,42,19
